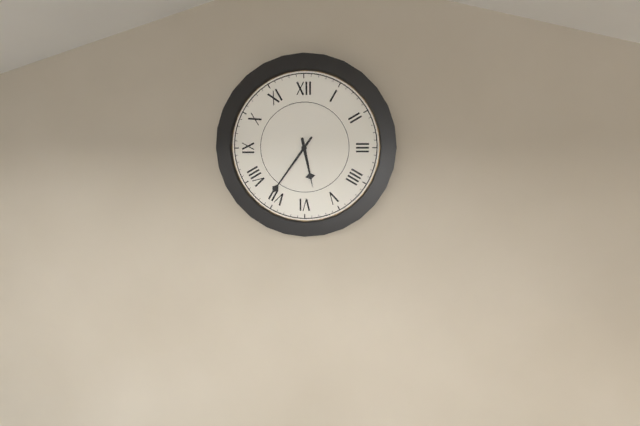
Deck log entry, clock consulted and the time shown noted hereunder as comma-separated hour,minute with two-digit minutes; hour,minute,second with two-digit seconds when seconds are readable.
5,36
